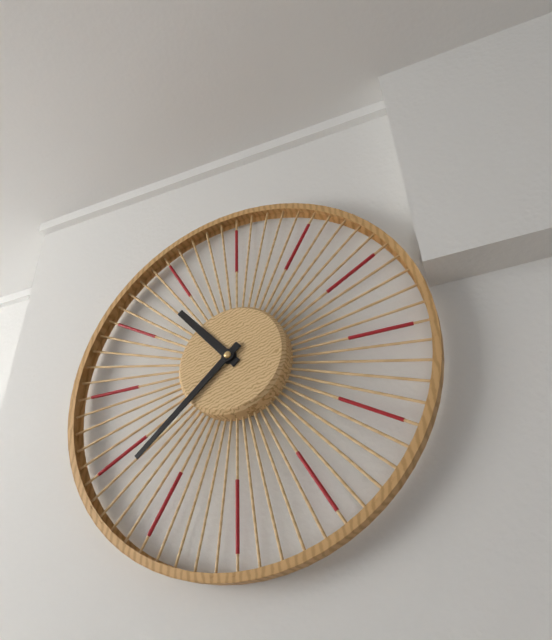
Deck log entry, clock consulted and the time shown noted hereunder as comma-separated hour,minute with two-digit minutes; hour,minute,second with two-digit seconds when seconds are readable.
10,38
